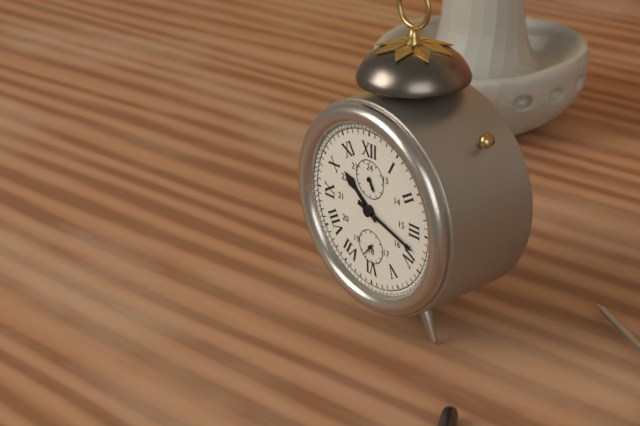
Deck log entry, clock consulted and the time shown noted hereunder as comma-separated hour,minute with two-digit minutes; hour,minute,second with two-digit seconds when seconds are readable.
10,18,37
